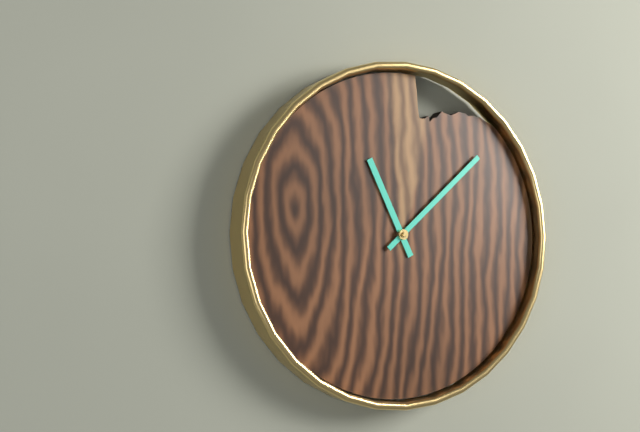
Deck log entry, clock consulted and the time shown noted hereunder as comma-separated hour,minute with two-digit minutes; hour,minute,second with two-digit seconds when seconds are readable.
11,08
